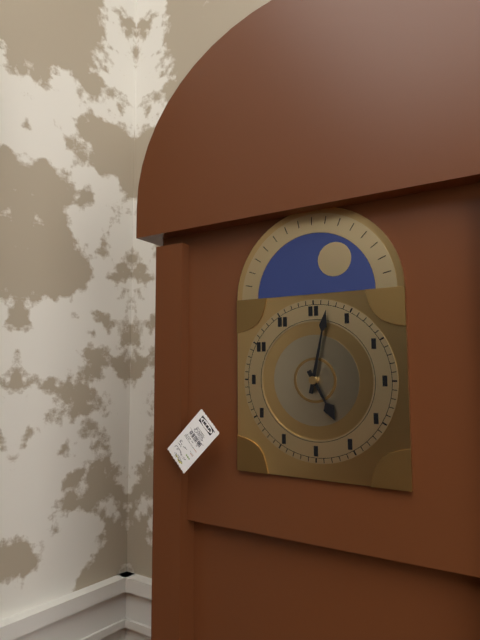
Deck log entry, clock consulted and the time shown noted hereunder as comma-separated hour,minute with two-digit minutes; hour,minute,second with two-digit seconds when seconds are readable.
5,02
